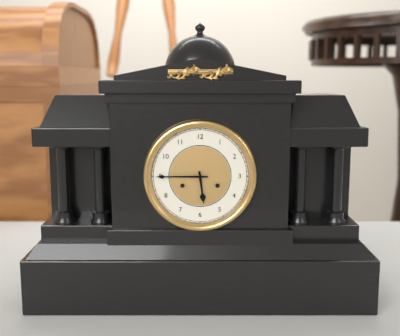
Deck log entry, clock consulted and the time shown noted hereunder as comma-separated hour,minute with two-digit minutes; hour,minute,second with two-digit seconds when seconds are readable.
5,45
